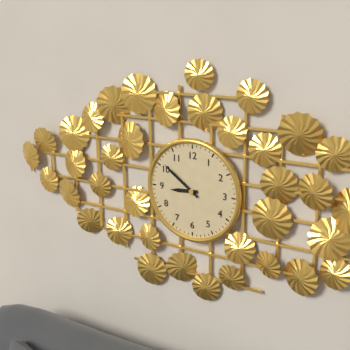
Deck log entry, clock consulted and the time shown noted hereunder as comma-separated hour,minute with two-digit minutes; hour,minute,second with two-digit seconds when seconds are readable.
8,51
